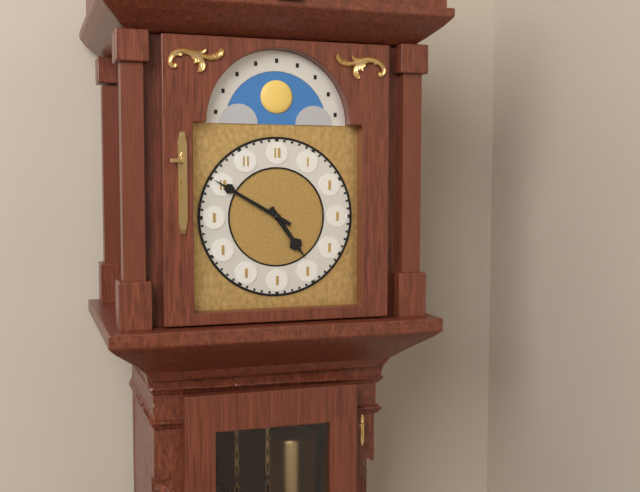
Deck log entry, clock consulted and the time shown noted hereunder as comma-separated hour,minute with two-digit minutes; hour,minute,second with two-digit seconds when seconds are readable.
4,50
